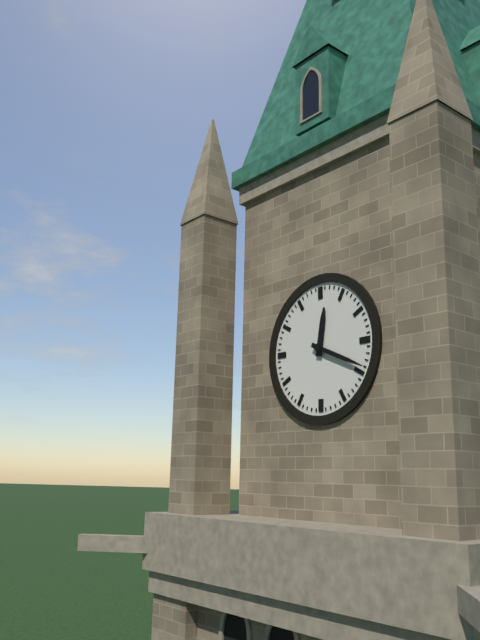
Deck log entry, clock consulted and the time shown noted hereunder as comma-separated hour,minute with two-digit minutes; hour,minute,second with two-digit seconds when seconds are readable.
12,19
